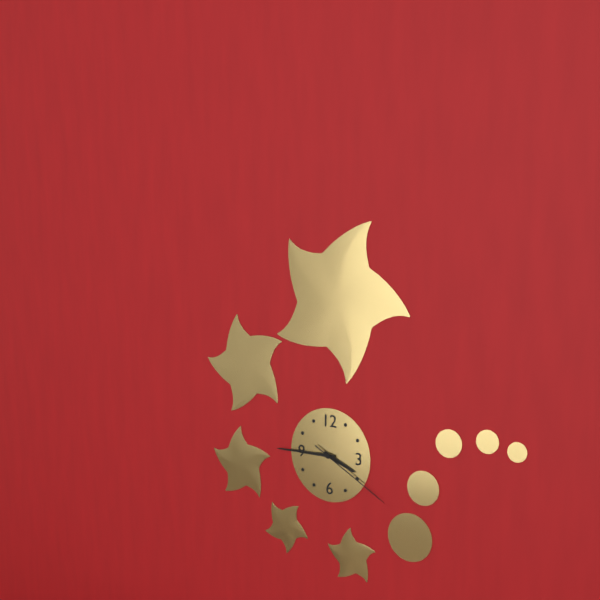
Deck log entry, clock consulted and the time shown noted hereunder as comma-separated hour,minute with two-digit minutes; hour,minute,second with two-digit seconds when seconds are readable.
3,45,20
